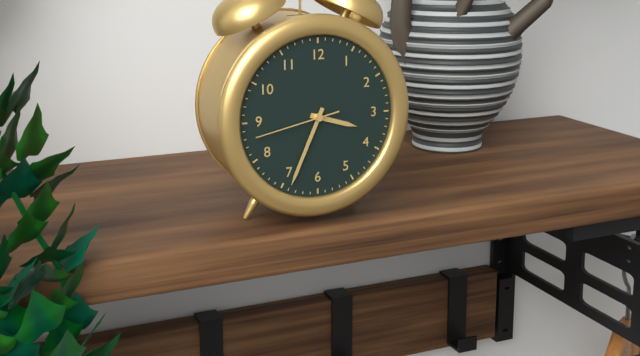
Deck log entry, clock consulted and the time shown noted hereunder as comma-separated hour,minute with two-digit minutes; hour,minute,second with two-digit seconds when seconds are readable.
3,34,43
